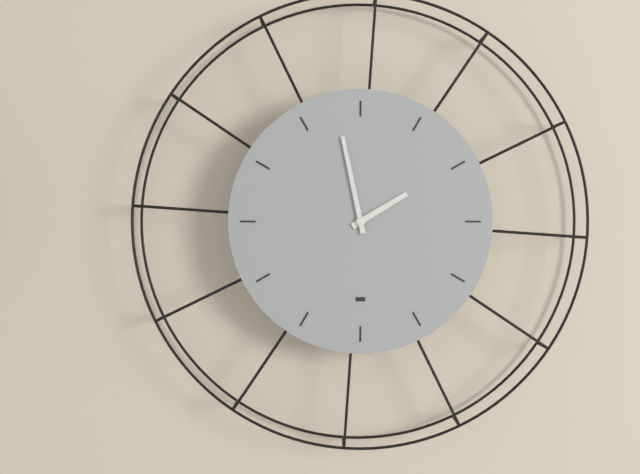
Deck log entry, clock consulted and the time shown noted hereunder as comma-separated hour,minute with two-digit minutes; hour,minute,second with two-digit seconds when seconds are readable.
1,58
